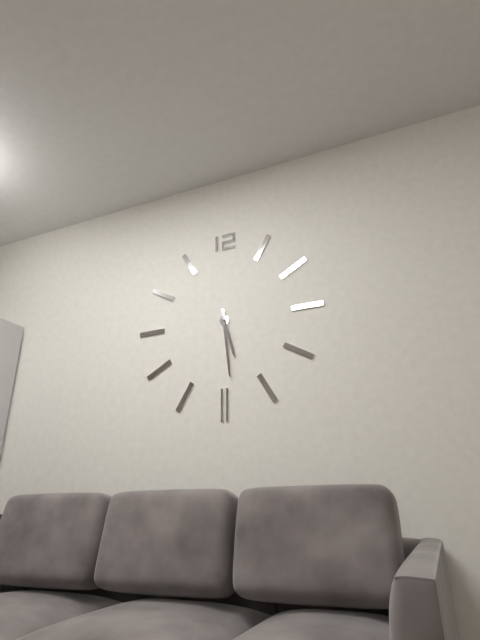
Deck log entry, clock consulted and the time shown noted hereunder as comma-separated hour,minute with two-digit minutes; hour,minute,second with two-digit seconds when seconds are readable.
5,29
